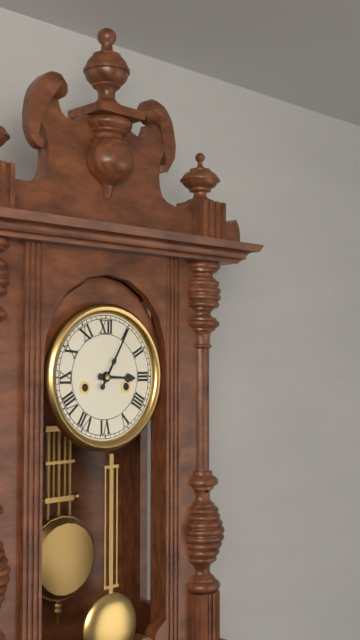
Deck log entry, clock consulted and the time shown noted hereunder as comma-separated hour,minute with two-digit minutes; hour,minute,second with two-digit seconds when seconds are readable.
3,05
